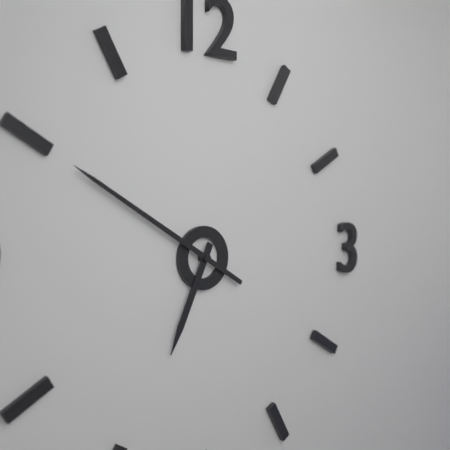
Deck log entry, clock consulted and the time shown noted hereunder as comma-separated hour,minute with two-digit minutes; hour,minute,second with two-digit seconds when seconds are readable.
6,50
